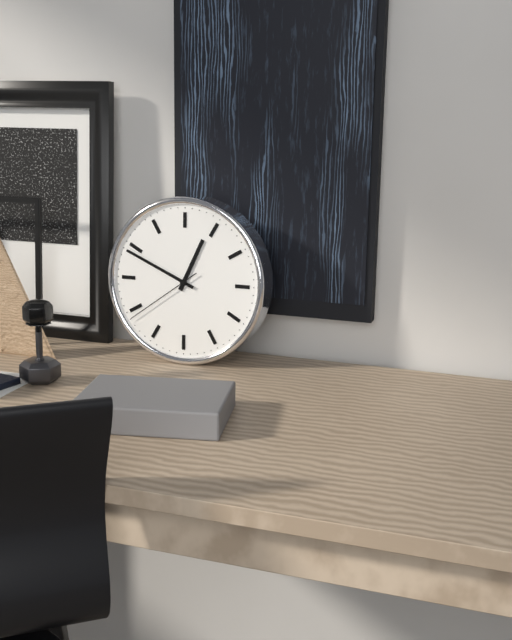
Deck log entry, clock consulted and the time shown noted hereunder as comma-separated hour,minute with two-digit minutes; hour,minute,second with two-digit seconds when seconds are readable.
12,49,39
